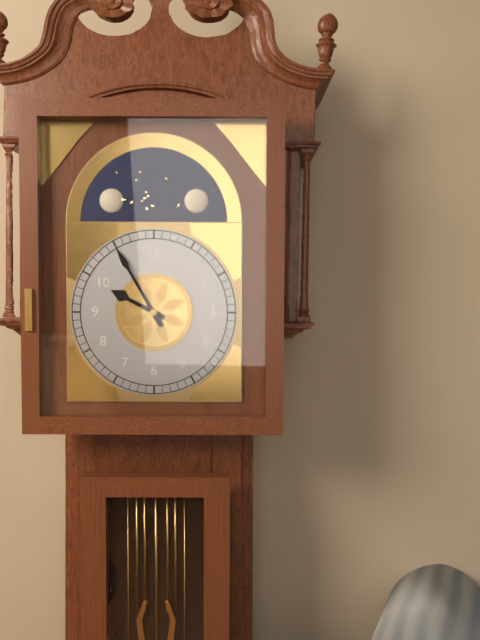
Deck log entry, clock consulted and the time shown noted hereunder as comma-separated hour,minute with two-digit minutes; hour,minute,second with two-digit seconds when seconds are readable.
9,55
